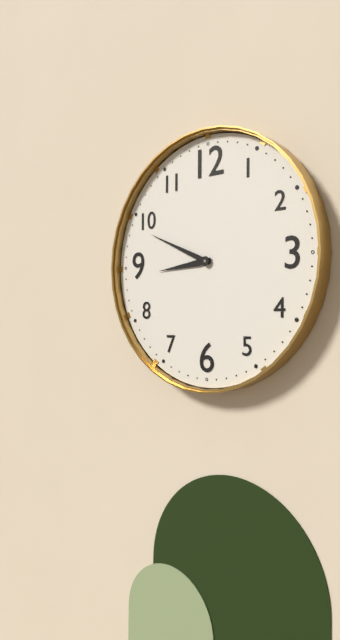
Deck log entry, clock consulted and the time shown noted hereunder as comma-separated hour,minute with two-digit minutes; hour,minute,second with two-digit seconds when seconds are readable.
8,49
